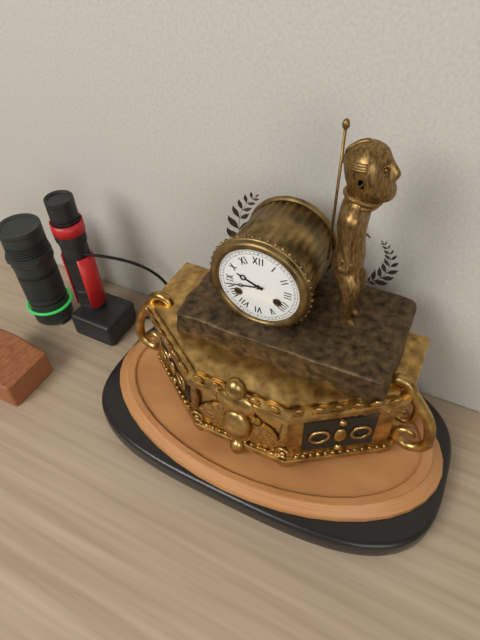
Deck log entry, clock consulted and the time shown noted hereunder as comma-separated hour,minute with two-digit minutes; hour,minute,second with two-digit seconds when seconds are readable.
9,43
